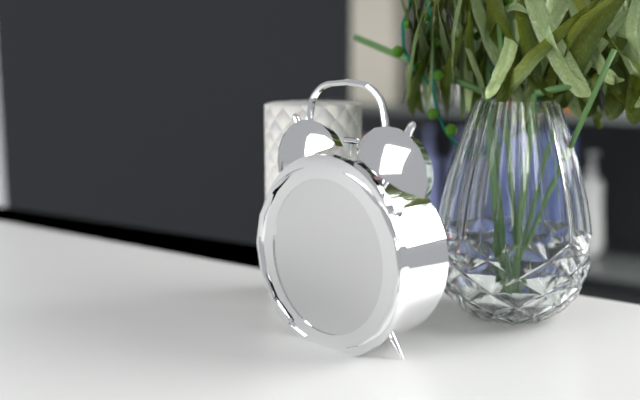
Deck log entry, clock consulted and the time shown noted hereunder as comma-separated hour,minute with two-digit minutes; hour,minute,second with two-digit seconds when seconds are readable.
9,22,20
